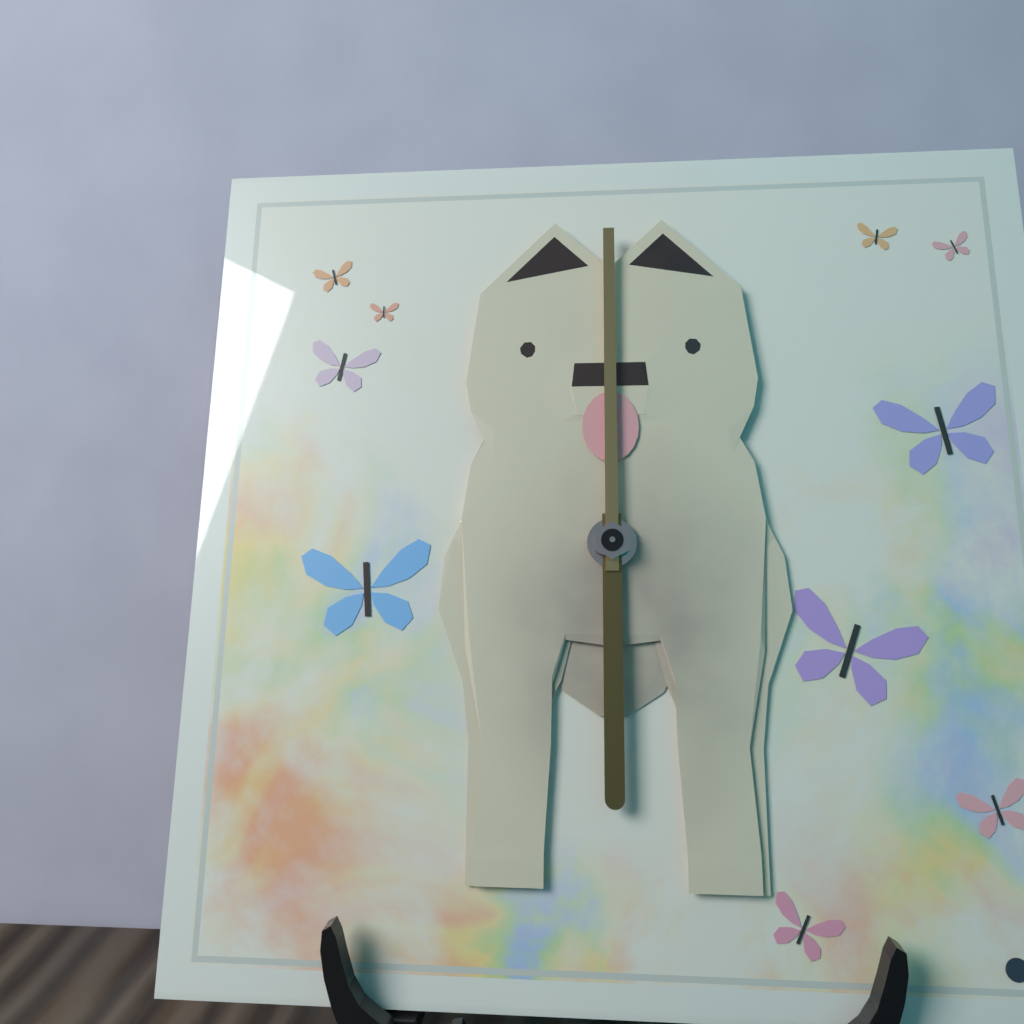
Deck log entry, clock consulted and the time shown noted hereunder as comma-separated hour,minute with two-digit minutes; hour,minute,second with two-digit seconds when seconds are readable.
6,00
